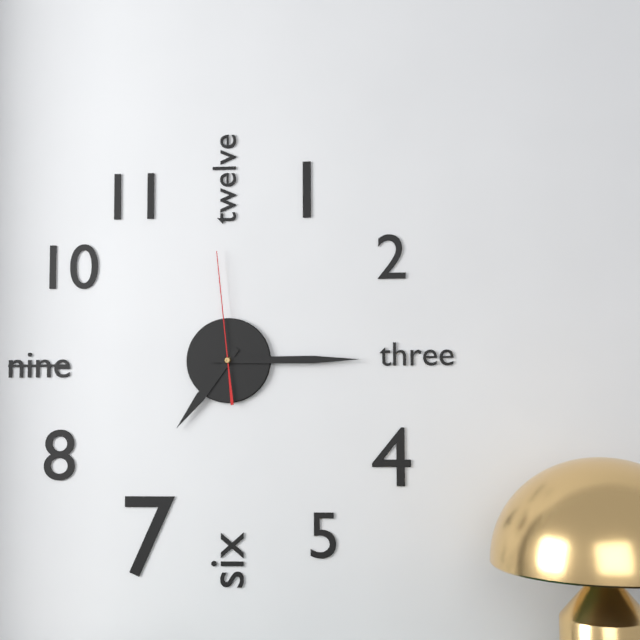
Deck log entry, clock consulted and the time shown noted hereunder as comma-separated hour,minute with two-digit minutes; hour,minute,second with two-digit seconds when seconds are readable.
7,15,59
